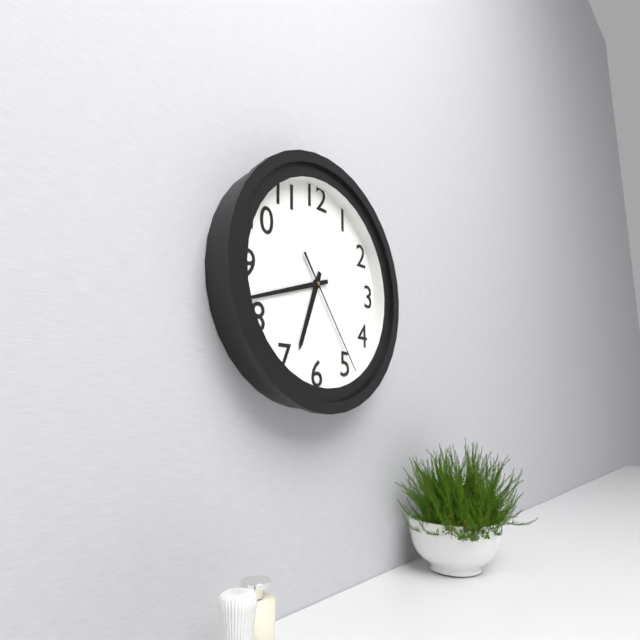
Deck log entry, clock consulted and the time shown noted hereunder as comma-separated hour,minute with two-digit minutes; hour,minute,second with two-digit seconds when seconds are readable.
6,42,24
